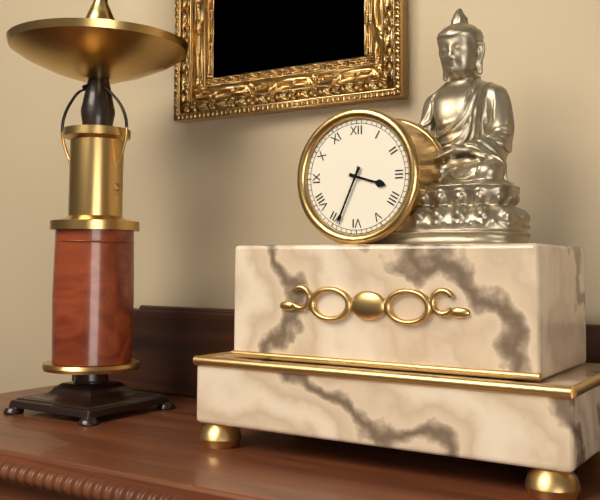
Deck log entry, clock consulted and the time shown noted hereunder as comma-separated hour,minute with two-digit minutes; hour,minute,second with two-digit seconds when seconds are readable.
3,34
